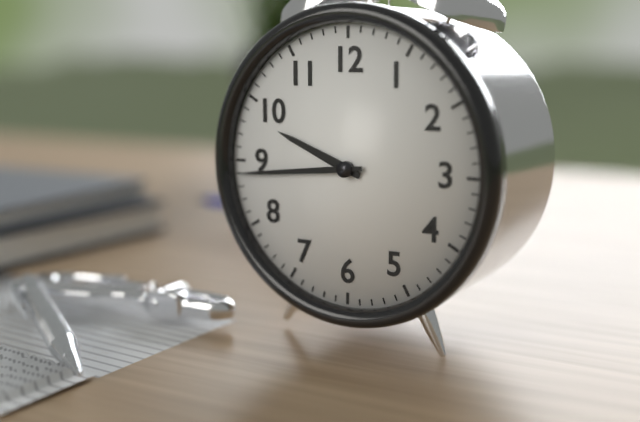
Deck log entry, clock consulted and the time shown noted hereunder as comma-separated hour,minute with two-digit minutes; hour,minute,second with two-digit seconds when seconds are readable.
9,44
